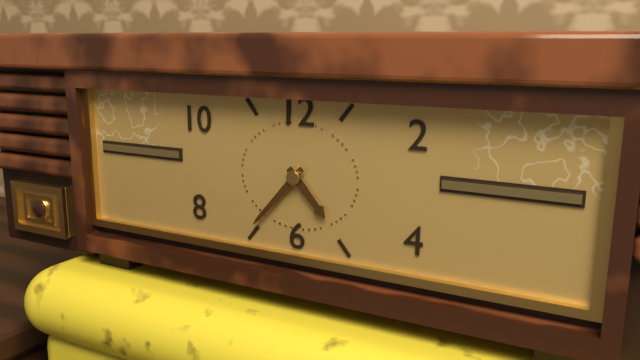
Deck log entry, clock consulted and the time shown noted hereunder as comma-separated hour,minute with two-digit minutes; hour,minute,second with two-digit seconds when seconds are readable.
4,37
